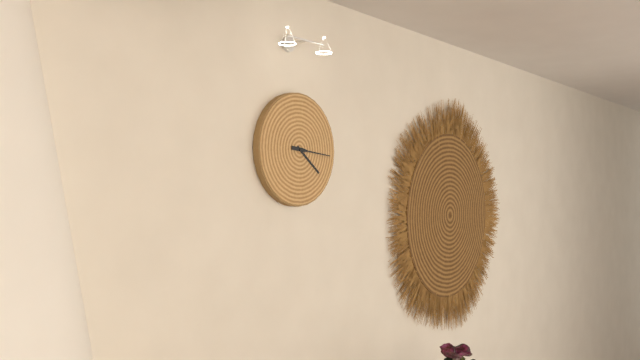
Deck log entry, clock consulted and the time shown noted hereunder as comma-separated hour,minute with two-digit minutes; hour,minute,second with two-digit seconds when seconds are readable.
4,16
